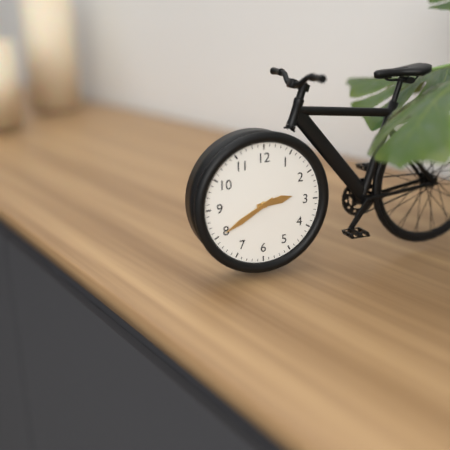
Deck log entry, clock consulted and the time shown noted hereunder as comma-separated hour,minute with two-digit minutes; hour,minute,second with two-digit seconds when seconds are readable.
2,40
